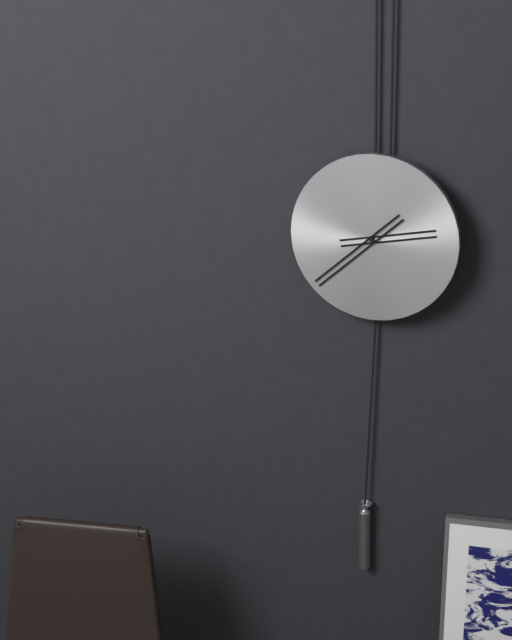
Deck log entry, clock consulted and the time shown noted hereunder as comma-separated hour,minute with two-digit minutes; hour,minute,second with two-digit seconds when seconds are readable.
2,38
